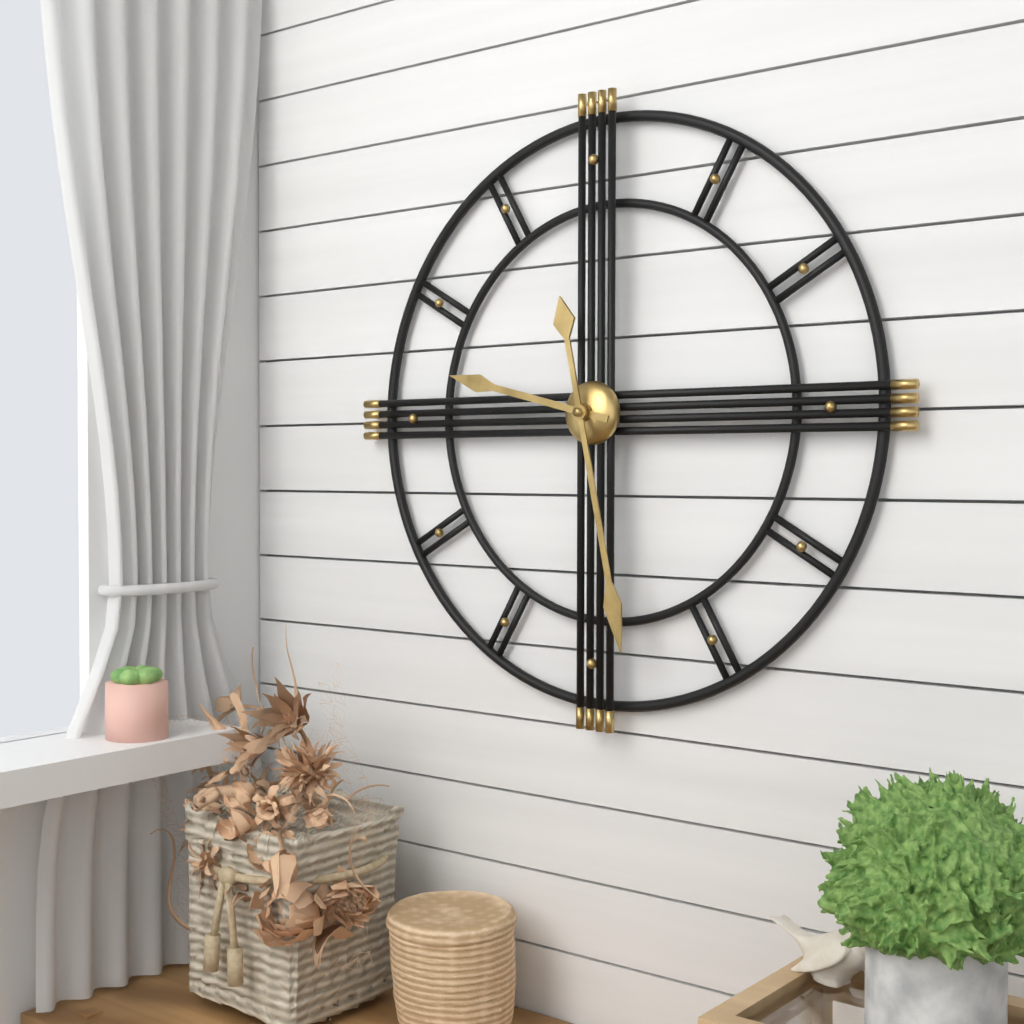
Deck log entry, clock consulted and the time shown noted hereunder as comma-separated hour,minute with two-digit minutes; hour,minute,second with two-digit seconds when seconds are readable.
9,28
